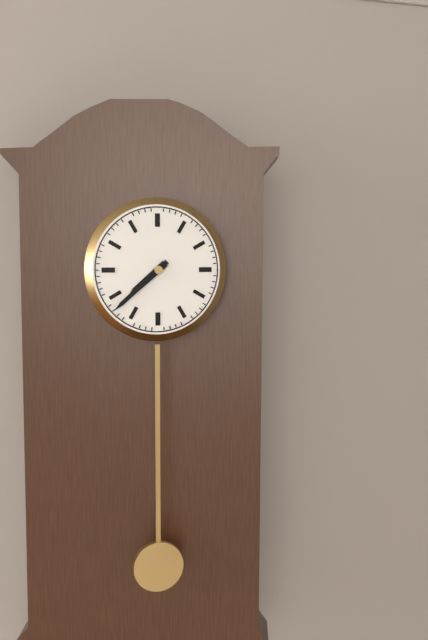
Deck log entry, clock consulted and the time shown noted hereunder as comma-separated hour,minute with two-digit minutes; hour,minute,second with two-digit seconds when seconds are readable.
7,38
